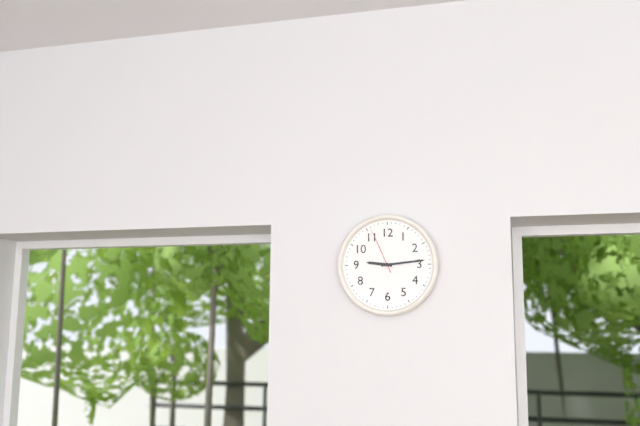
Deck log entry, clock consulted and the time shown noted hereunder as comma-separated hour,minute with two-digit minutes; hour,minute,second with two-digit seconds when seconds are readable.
9,14
